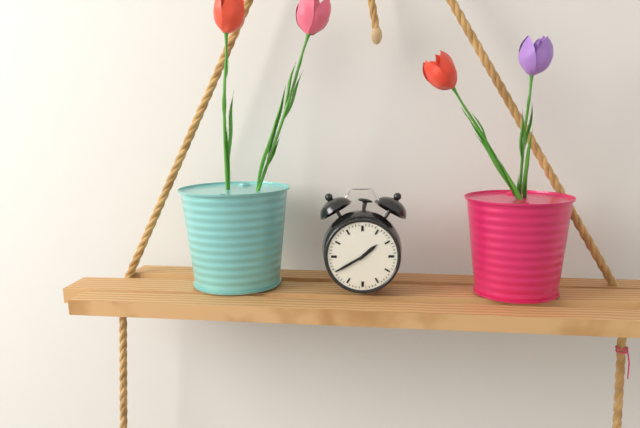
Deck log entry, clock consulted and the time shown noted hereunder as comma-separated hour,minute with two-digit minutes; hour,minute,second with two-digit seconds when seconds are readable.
1,40
